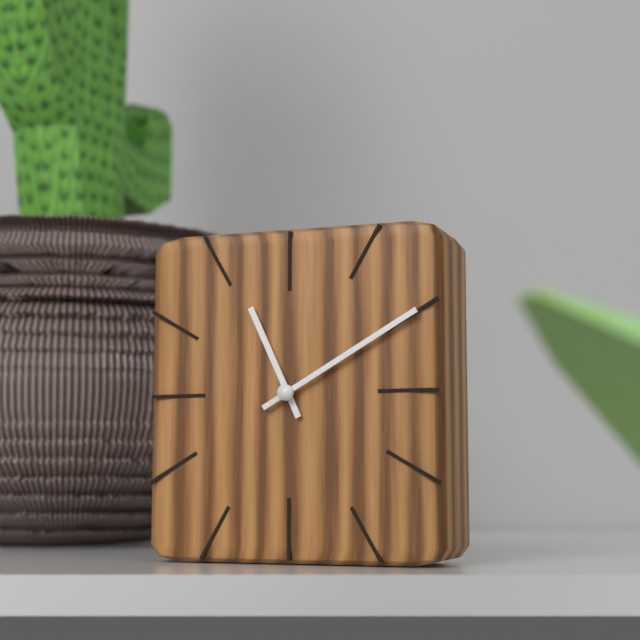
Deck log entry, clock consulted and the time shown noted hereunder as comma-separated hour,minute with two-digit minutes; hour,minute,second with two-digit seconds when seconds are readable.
11,10
